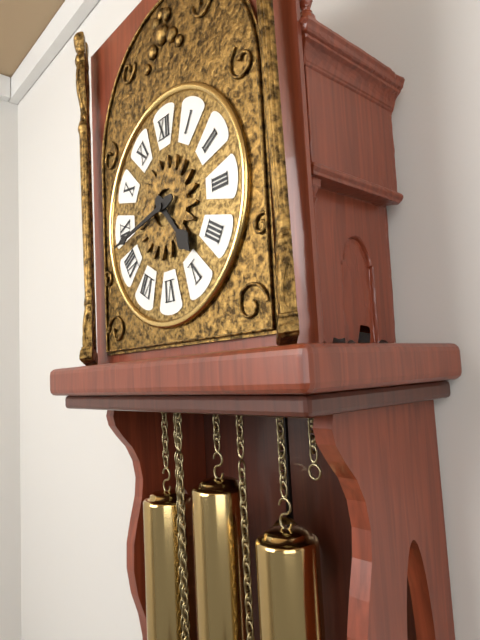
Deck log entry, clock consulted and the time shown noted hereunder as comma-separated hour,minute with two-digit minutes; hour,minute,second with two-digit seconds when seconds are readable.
4,43
